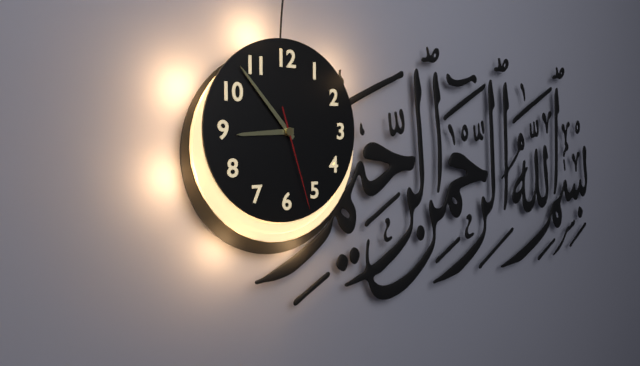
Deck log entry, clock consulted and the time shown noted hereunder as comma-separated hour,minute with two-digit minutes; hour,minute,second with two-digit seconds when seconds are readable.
8,53,27
